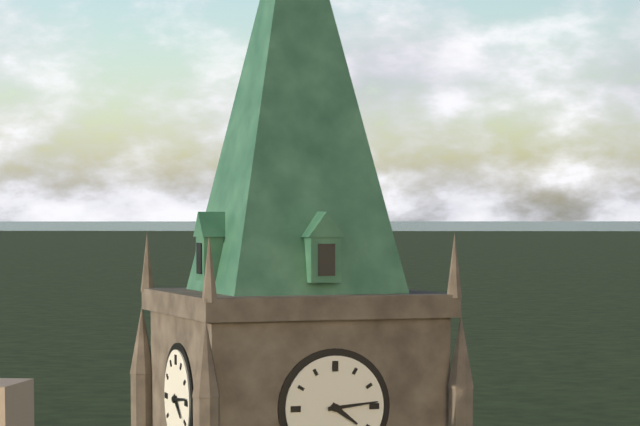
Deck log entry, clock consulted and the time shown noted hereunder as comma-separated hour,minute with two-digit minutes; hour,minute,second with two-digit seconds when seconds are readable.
4,14
